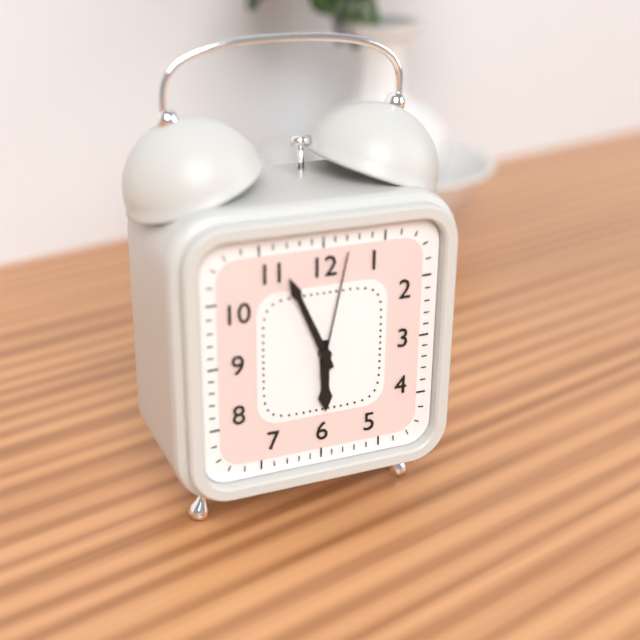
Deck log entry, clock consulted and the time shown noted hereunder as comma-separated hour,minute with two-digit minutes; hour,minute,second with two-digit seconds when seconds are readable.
5,56,02
